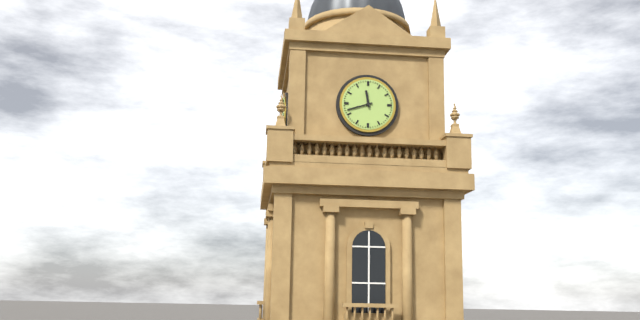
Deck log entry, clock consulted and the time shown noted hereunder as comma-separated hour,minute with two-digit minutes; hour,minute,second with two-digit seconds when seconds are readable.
11,42
